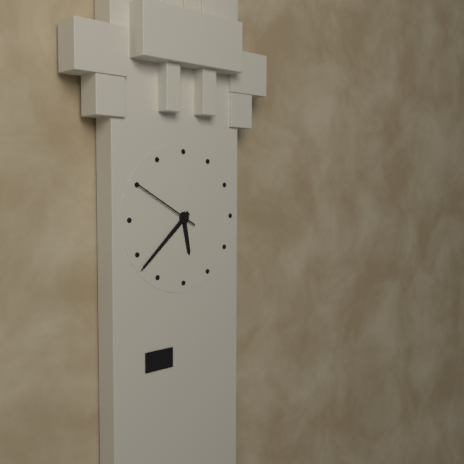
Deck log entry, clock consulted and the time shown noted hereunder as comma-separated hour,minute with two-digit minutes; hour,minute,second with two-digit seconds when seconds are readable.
5,38,50
